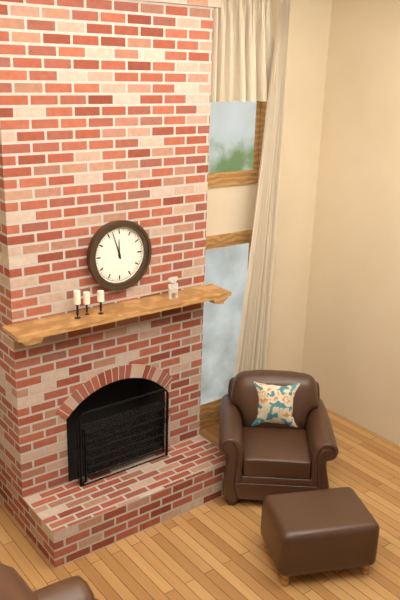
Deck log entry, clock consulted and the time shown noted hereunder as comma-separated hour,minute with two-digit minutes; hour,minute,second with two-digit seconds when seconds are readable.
11,57
